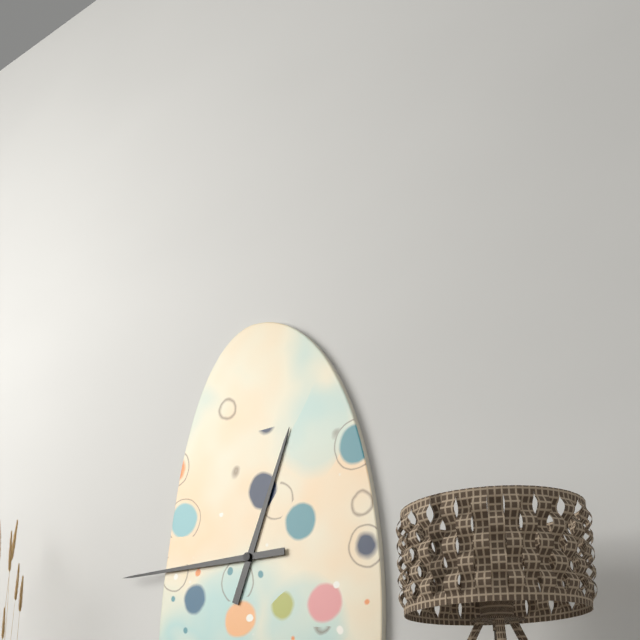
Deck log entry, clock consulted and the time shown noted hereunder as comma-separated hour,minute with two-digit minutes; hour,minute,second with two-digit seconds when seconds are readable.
12,45
